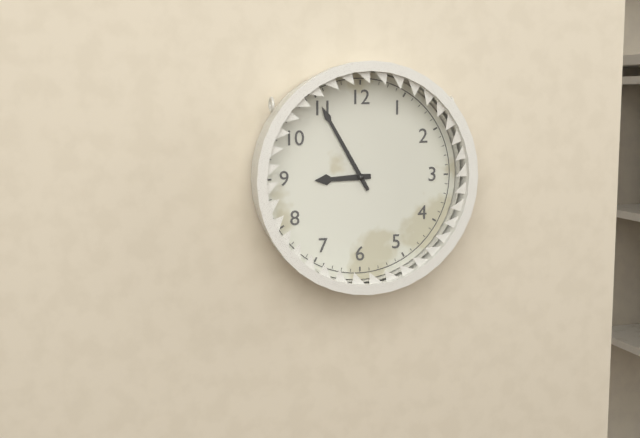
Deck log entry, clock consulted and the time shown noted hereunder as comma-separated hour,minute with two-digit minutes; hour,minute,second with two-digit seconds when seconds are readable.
8,55
